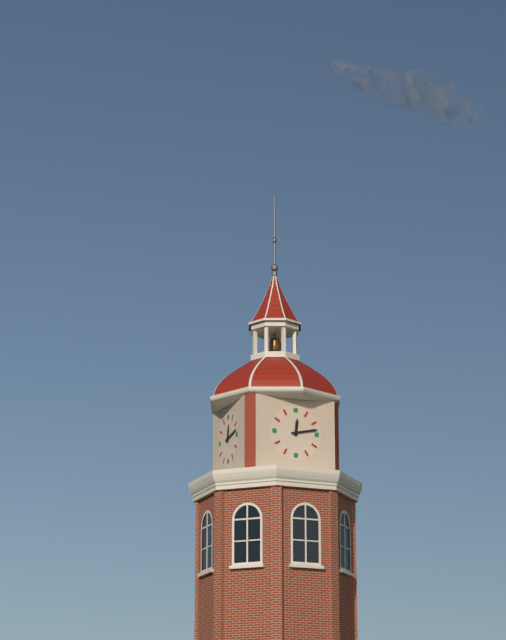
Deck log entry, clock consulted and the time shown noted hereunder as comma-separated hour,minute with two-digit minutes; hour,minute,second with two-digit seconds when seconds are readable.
12,13
